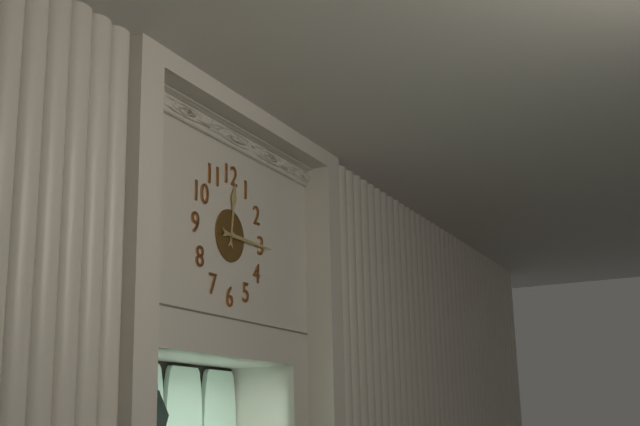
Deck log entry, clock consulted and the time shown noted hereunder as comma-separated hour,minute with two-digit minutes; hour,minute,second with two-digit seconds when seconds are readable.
12,15
